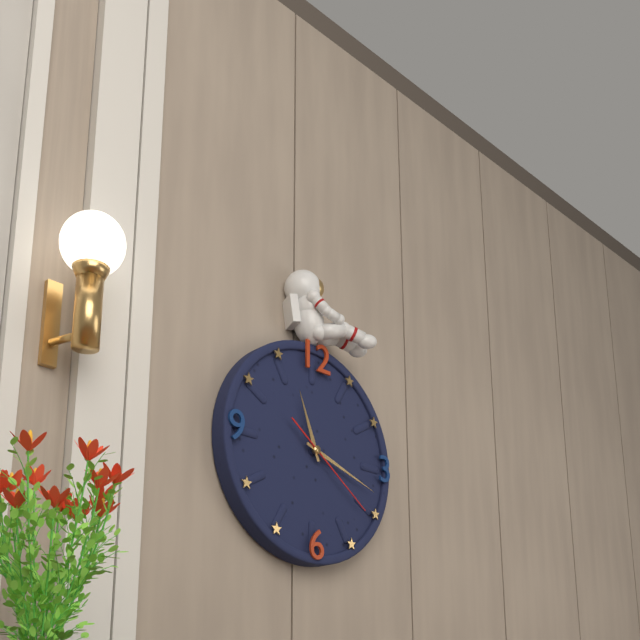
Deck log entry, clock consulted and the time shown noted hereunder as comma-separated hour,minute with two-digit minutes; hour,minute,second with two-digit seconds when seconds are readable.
11,18,21
